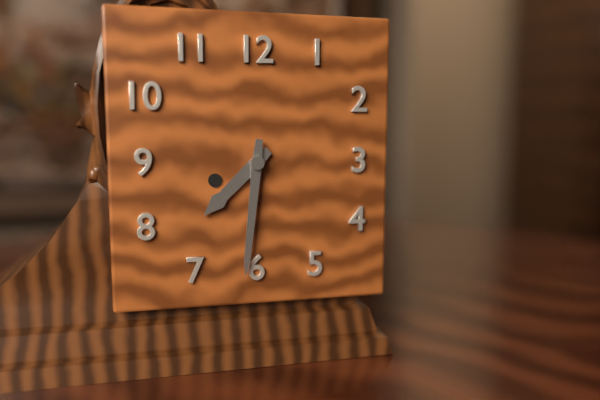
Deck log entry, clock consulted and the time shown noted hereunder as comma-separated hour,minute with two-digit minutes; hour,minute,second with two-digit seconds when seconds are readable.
7,31
